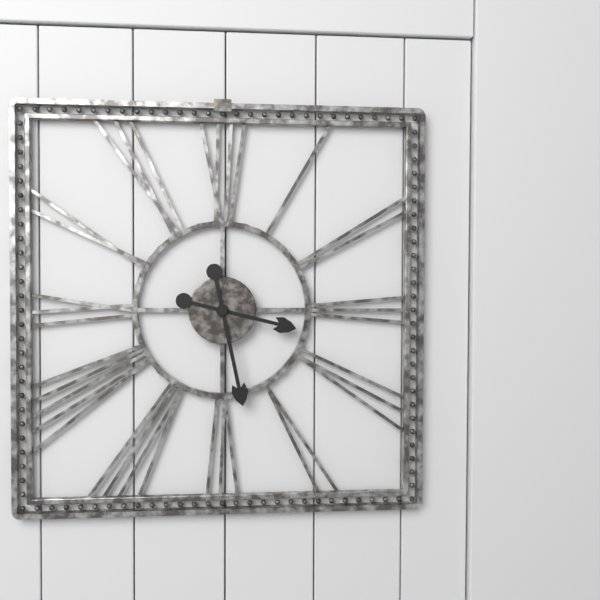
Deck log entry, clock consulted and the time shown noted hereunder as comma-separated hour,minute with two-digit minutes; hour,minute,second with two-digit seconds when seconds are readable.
3,28
